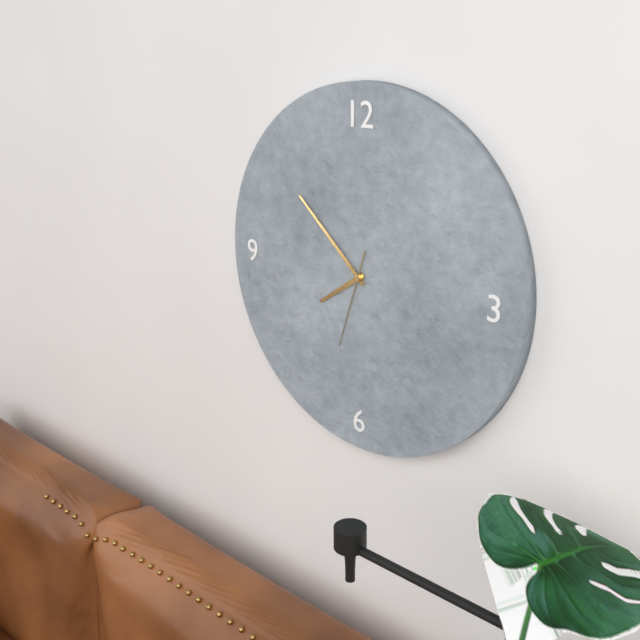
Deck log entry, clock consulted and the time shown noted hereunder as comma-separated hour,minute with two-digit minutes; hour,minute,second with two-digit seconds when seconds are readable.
7,52,33
